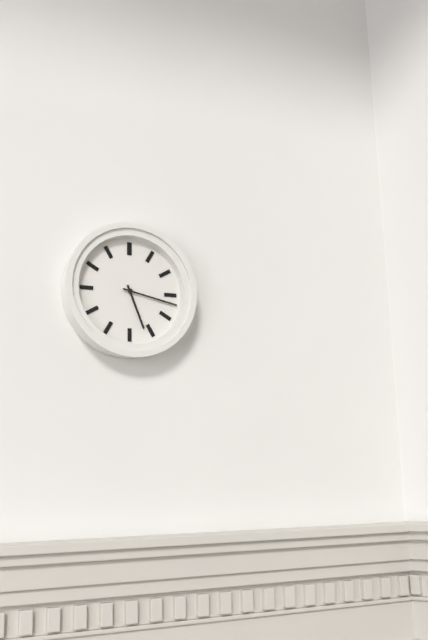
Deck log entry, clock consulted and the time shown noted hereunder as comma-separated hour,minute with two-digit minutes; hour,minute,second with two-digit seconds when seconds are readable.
5,17
